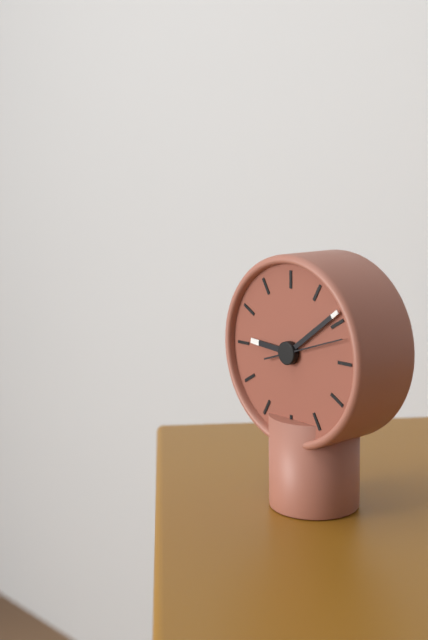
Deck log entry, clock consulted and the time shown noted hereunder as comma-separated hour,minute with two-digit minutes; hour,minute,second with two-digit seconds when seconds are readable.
9,09,12
